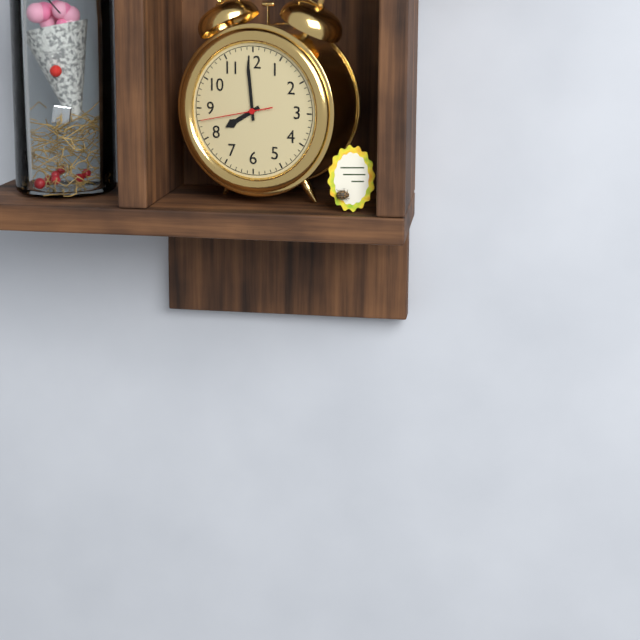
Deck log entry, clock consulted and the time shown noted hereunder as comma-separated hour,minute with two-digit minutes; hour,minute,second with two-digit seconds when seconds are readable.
7,59,43
